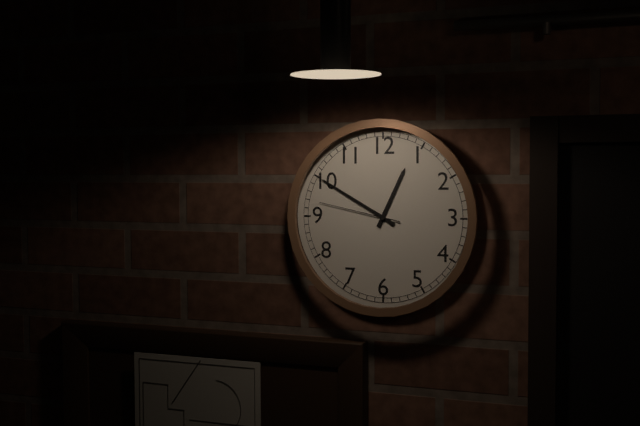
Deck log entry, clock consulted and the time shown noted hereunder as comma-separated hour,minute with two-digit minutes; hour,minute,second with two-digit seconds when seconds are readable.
12,50,47
